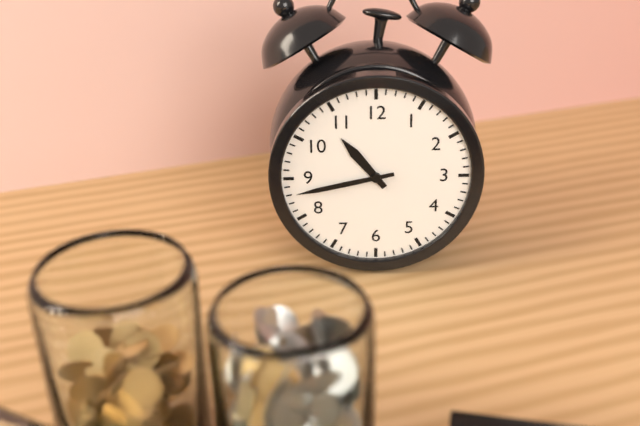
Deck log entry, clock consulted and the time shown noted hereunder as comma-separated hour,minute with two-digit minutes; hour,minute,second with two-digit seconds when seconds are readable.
10,43
